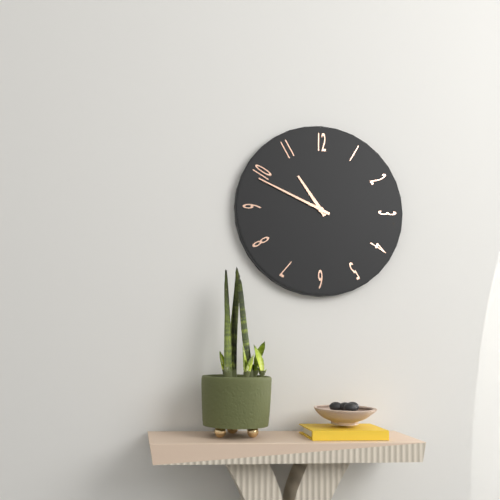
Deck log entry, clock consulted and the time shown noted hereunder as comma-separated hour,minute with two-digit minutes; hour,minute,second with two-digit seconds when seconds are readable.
10,49
